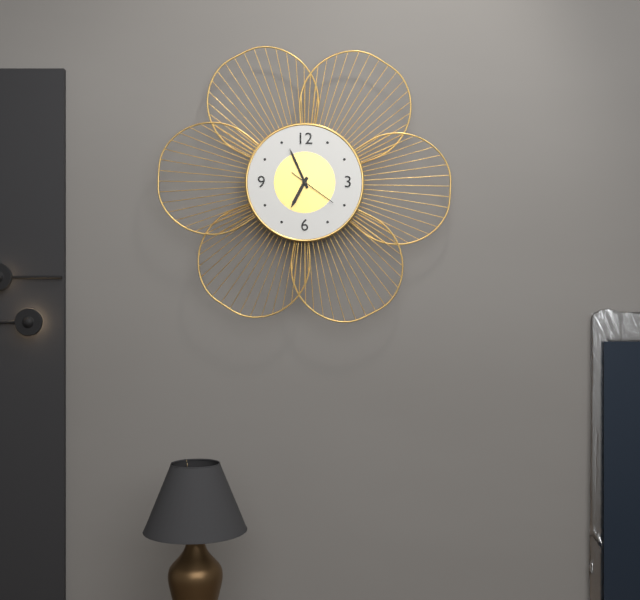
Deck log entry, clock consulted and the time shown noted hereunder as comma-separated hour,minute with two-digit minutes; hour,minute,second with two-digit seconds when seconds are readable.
6,56
